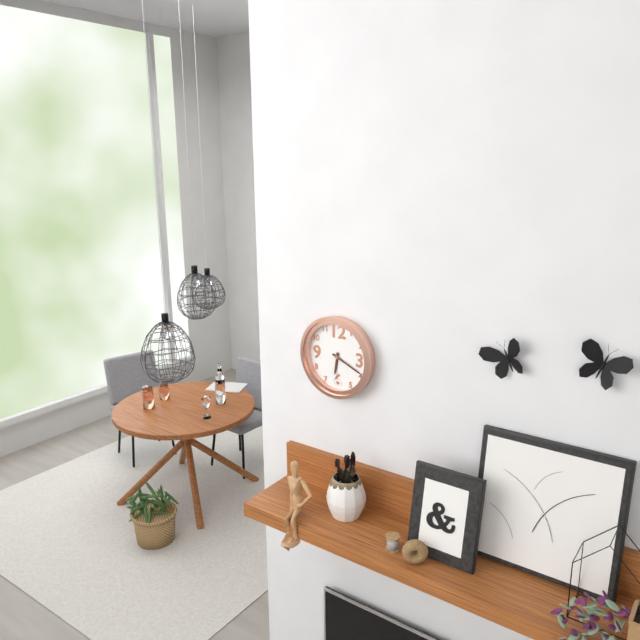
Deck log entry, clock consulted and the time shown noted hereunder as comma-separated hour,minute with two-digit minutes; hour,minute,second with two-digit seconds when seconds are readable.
6,19
